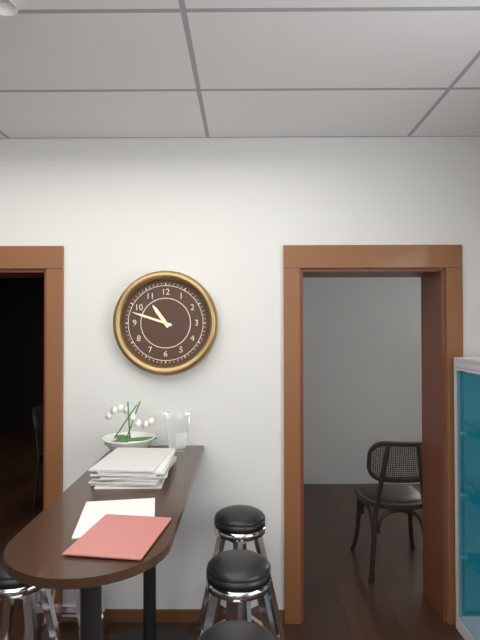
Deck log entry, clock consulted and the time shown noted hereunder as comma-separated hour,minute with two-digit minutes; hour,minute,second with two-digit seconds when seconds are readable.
10,48
